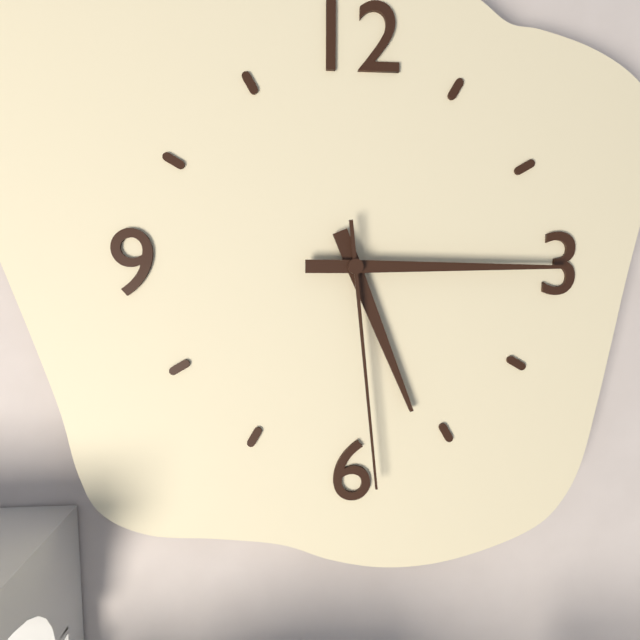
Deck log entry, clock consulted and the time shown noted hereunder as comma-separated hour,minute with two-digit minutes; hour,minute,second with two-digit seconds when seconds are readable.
5,15,29
